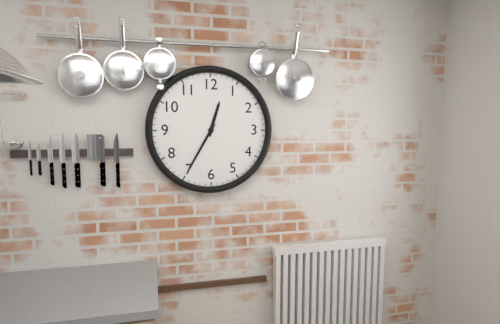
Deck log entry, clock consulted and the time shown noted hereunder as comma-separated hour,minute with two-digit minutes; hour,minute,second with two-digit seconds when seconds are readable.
12,35
